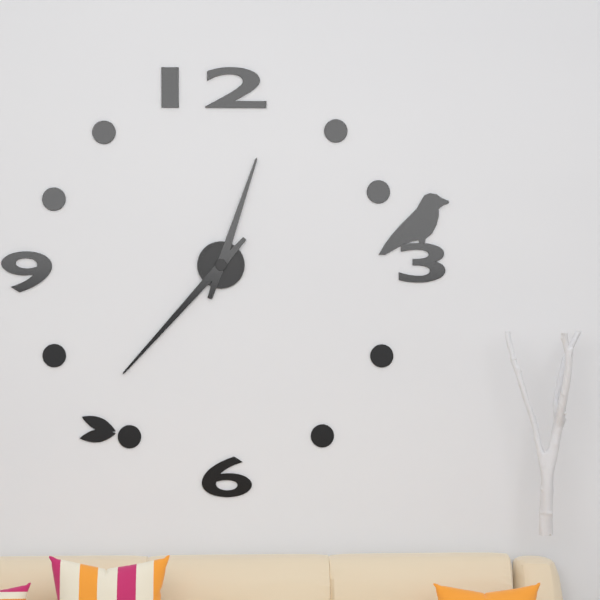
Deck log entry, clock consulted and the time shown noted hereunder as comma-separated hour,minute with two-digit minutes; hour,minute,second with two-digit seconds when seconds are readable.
12,37
